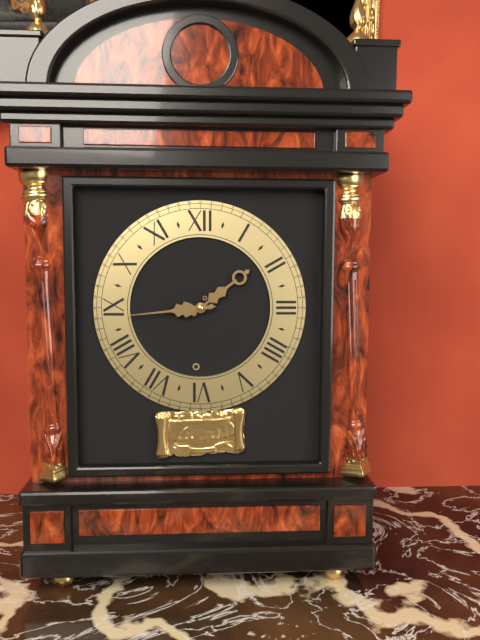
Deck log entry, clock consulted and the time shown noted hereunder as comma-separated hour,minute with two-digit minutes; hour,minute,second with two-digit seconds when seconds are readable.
1,44
